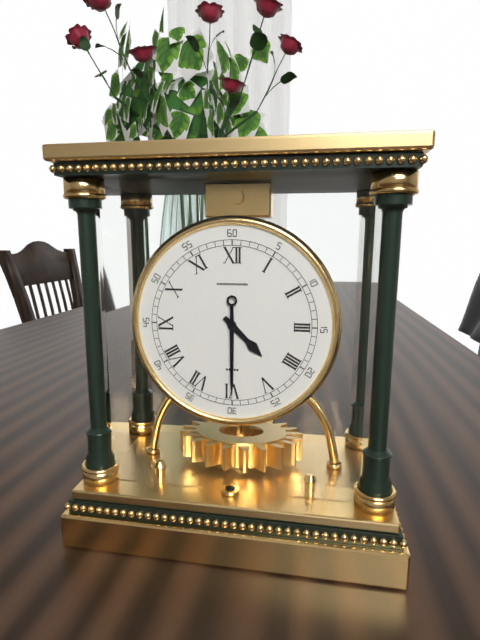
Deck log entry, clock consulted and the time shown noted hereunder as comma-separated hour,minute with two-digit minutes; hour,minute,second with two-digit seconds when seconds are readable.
4,30
